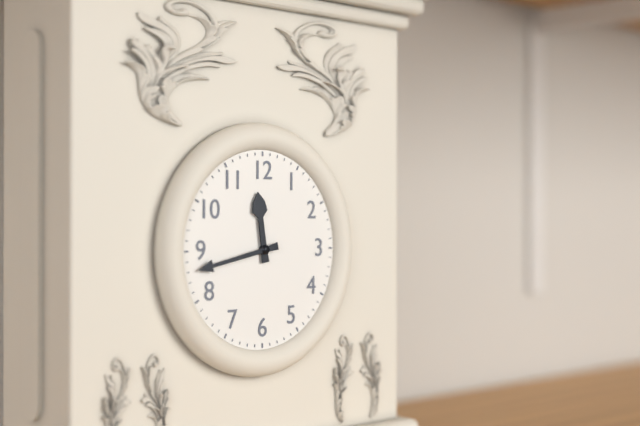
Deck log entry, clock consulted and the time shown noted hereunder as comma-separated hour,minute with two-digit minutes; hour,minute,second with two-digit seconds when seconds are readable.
11,43
